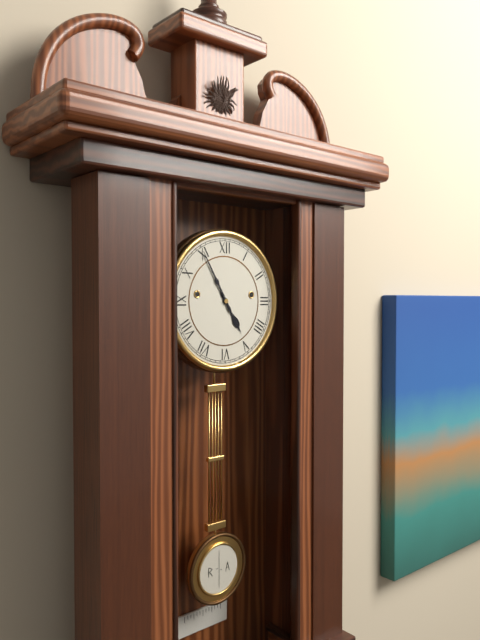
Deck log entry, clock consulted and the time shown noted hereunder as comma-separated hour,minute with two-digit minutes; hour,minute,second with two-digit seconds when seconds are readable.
4,55
